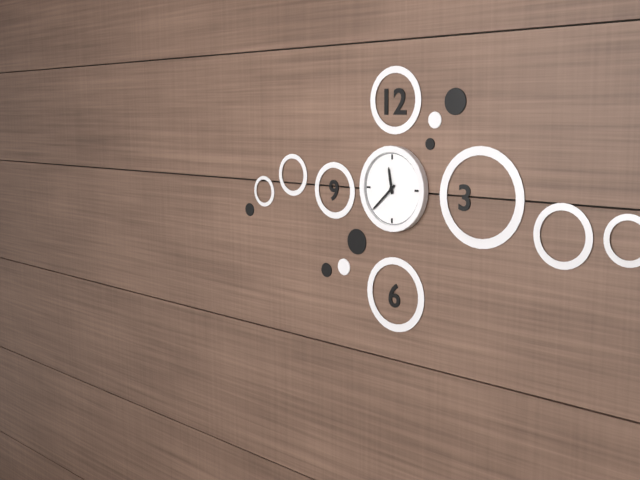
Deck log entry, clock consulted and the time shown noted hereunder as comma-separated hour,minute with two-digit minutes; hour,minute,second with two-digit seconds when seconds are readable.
11,38
